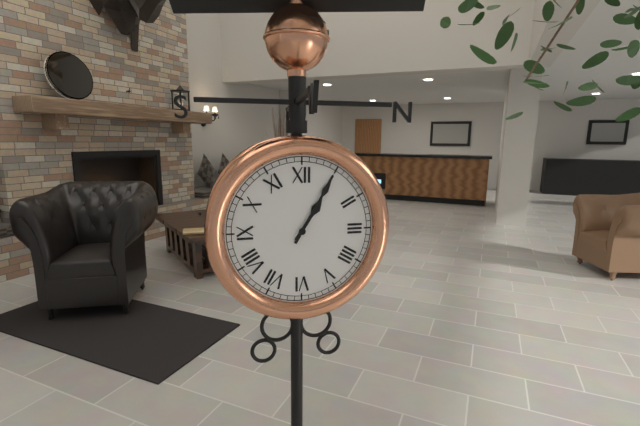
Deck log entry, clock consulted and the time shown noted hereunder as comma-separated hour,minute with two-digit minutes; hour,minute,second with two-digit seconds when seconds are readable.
1,05
